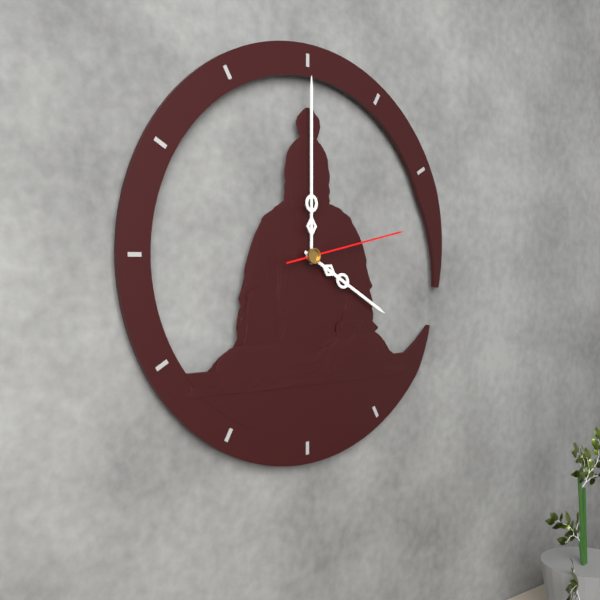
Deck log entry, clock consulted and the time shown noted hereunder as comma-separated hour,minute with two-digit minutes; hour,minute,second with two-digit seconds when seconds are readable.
4,00,13
